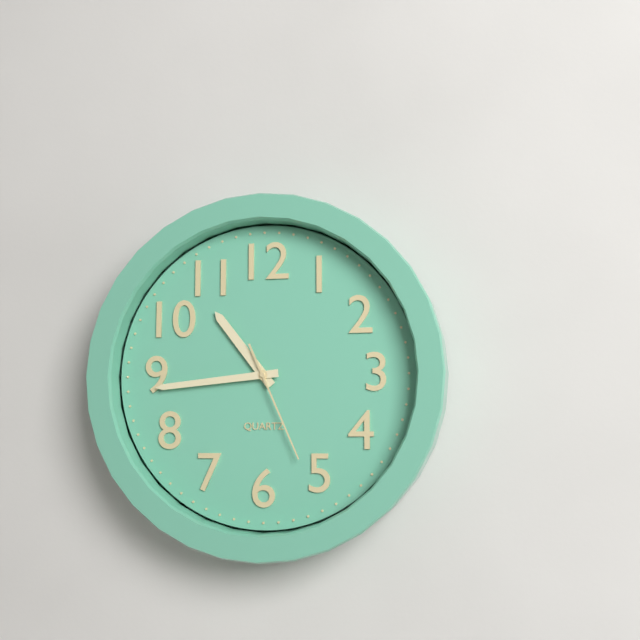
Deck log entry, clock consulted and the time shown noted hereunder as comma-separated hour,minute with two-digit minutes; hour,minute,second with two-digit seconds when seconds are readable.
10,44,26
